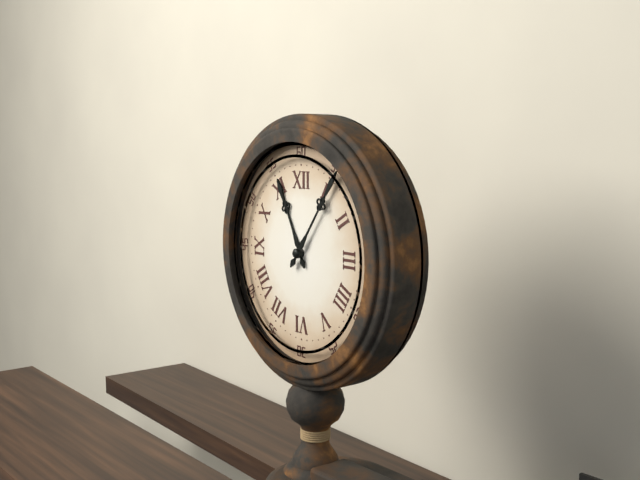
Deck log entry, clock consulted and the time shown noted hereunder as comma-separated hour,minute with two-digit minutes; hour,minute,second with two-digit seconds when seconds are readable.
11,06
